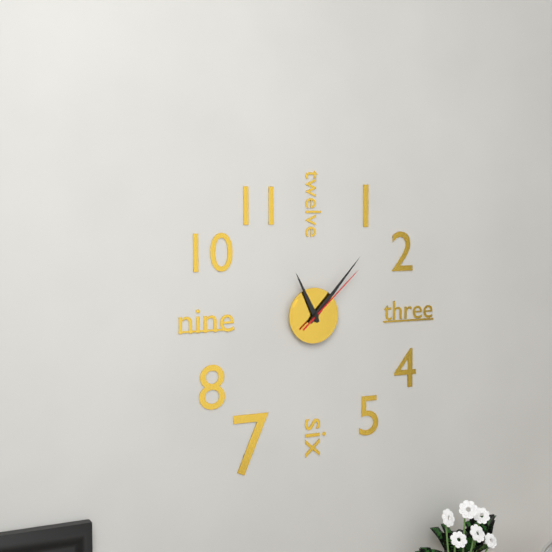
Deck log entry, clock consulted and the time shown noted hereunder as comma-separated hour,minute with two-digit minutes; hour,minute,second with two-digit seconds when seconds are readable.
11,07,08
